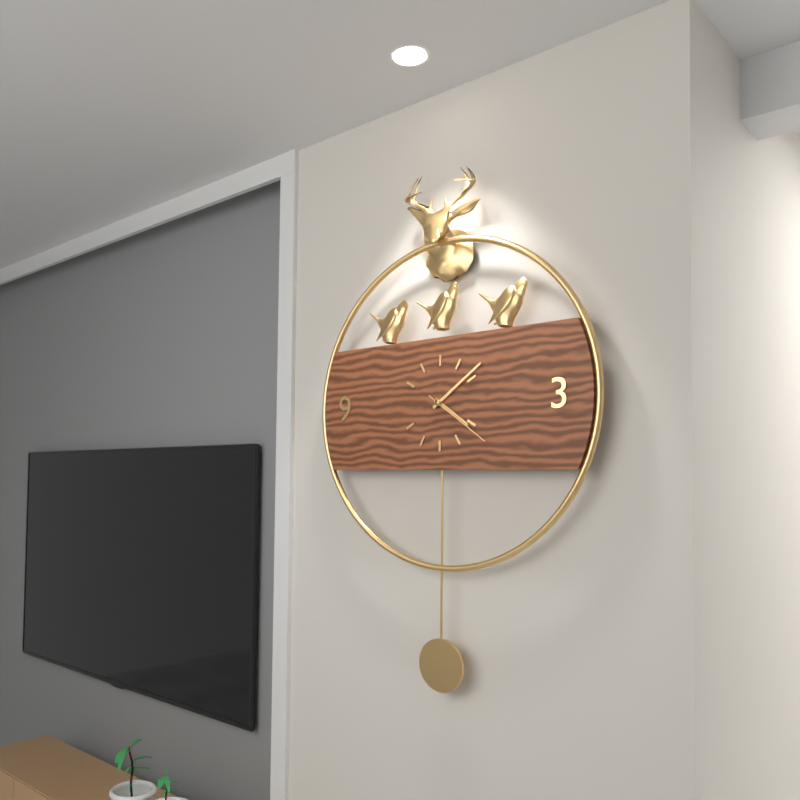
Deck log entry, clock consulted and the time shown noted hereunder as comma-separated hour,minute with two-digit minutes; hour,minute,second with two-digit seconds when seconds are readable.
4,09,21
